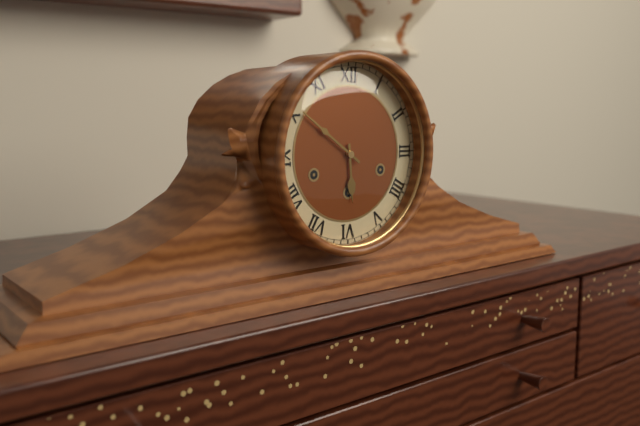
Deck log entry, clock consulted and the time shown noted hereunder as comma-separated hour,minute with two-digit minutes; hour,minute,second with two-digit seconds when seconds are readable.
5,51
